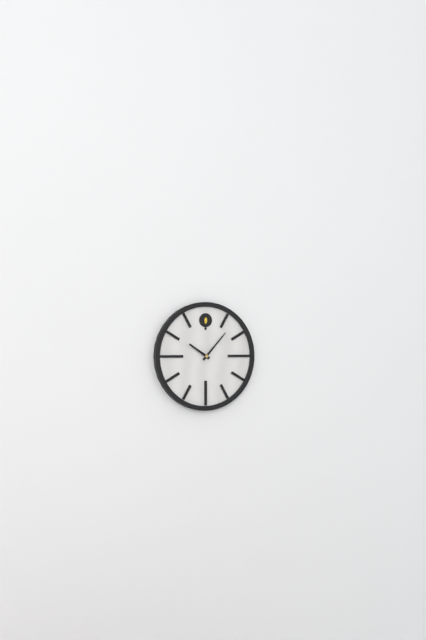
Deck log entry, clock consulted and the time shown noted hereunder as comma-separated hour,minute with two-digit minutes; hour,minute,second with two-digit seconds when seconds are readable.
10,07
